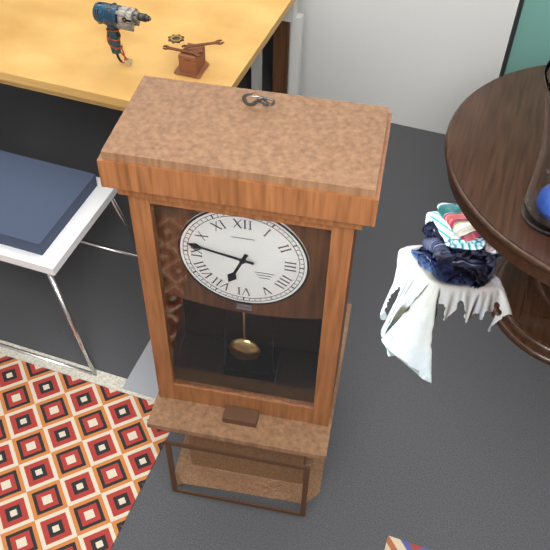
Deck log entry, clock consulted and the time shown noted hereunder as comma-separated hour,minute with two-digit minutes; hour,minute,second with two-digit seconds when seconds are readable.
6,47
